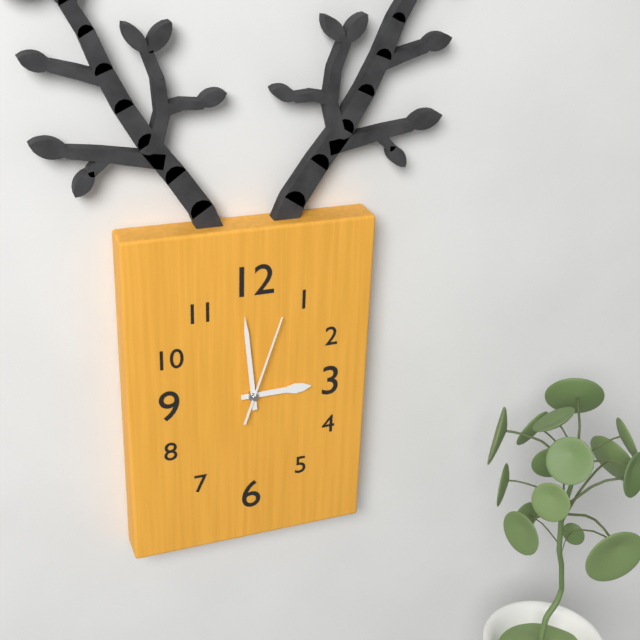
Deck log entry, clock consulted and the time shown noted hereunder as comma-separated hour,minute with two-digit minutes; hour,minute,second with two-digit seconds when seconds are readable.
2,59,03
